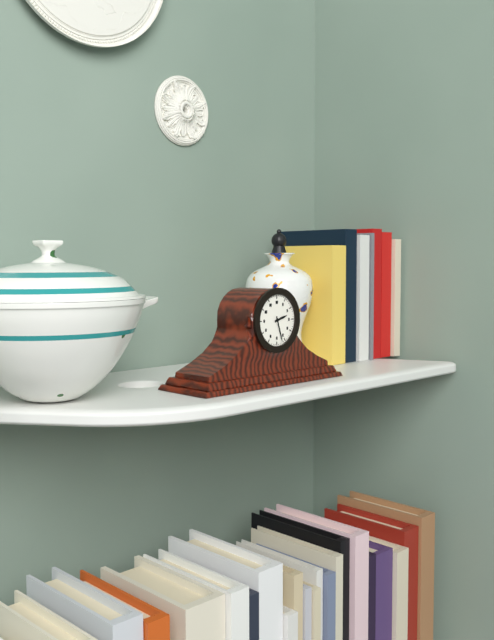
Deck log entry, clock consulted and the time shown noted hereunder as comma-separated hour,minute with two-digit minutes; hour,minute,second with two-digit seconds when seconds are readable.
2,27
